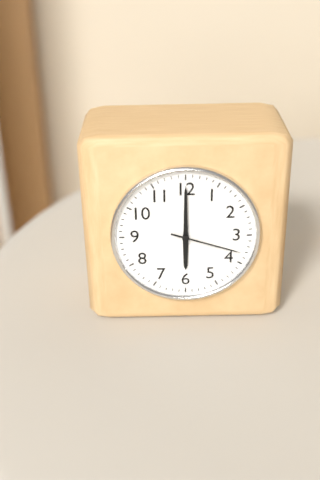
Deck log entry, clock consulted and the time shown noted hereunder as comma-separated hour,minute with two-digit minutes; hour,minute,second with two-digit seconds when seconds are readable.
6,00,18
